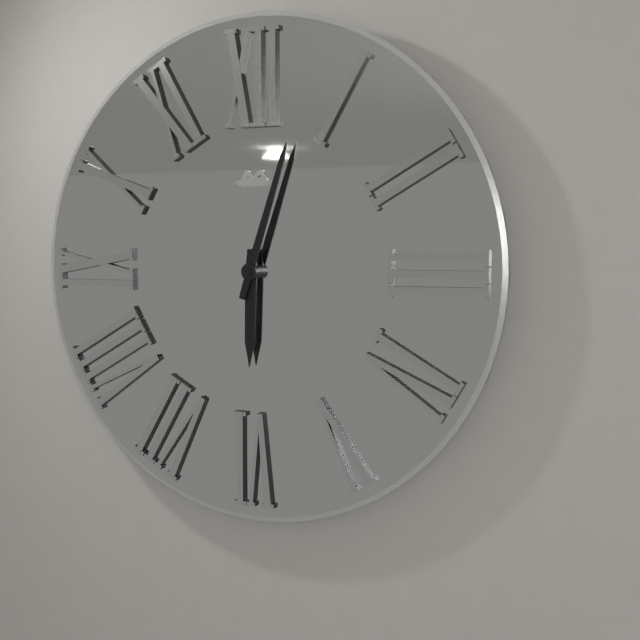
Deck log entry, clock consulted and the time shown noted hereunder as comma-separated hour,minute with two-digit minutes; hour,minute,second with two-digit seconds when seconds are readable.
6,03
